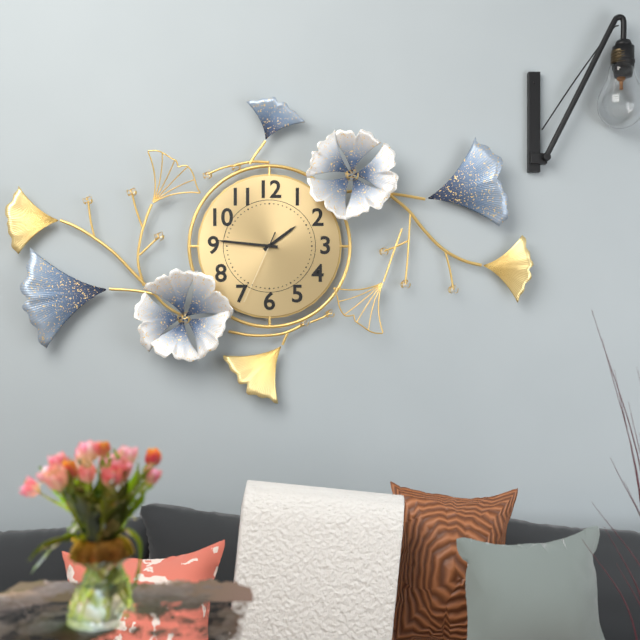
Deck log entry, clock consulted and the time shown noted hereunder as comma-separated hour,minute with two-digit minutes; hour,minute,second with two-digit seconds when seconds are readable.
1,46,34
